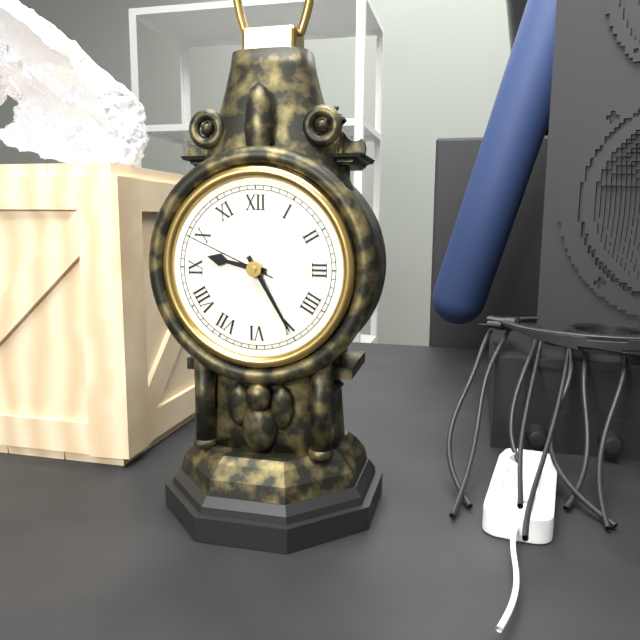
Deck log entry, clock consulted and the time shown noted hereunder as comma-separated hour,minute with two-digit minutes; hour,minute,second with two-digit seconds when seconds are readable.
9,25,49
